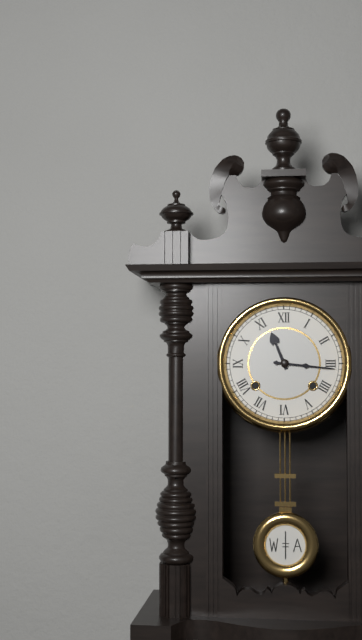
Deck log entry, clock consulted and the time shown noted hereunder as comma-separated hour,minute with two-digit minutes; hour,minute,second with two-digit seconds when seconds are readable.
11,16
